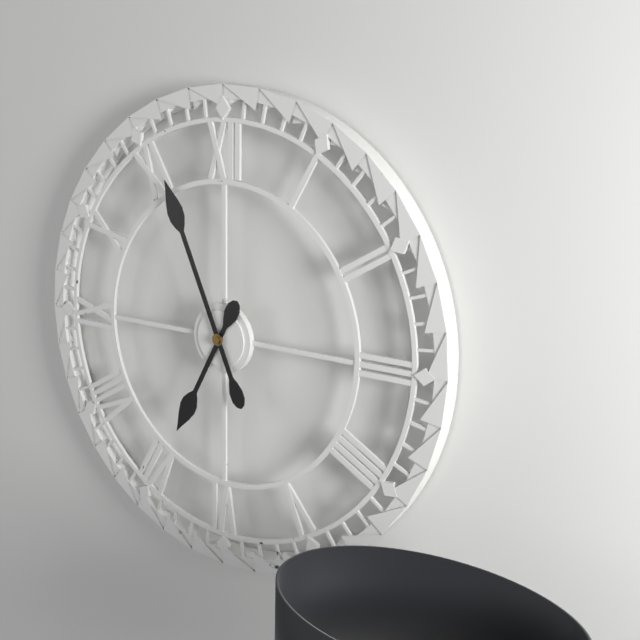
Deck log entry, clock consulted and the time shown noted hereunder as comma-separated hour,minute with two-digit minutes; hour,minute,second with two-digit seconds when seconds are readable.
6,56
